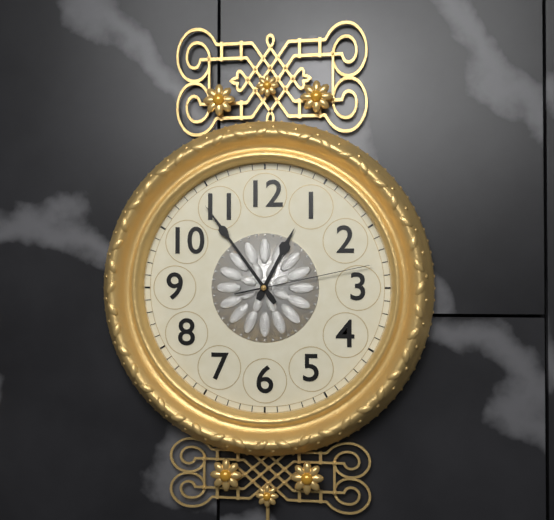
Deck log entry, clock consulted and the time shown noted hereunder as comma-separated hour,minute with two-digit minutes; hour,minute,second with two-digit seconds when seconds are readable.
12,54,13
